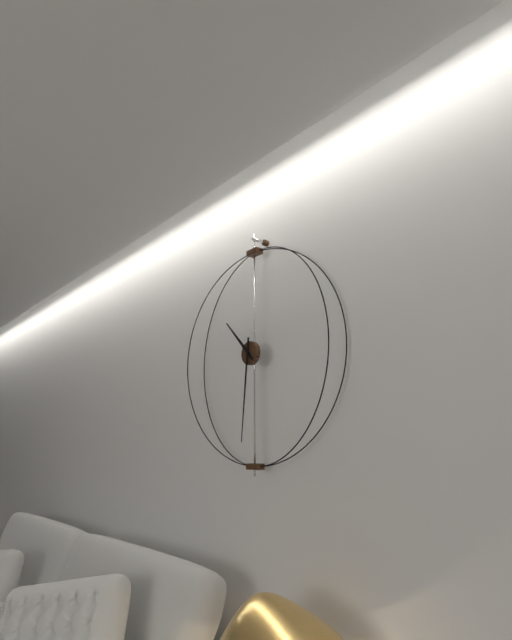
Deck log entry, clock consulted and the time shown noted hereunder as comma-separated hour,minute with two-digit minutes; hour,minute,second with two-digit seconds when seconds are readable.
10,31
